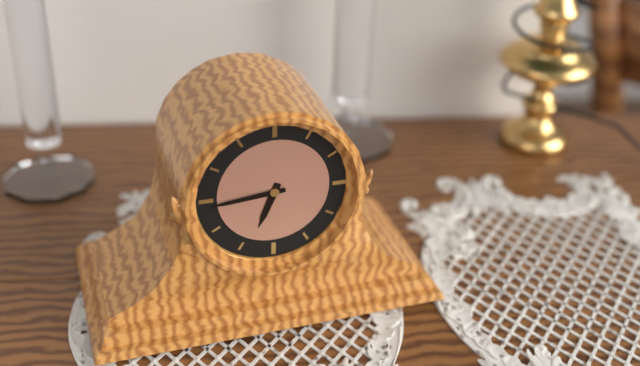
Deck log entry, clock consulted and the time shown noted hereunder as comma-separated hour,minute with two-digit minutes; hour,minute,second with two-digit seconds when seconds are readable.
6,44
